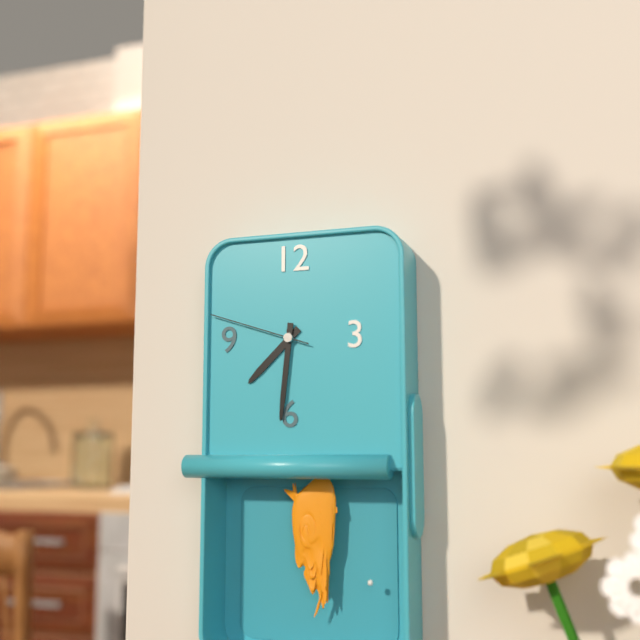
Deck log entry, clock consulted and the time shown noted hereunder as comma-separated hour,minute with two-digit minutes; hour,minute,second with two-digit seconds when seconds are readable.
7,31,48
